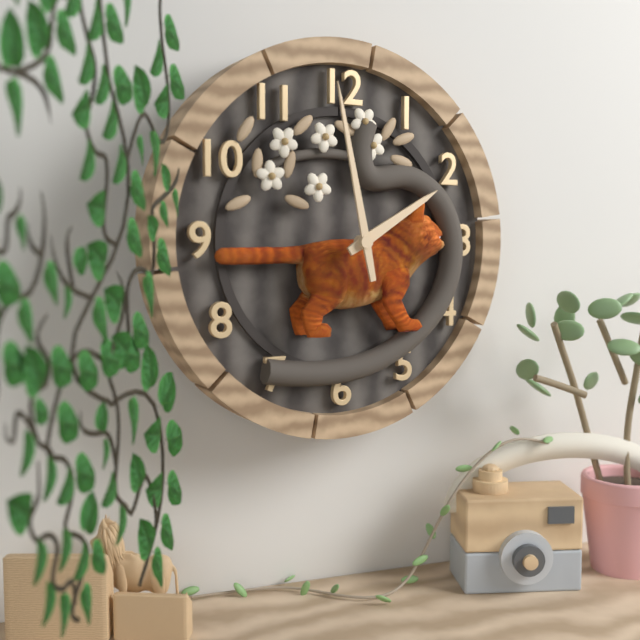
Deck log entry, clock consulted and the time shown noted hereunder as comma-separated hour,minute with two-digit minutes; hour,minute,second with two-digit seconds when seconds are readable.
1,58
